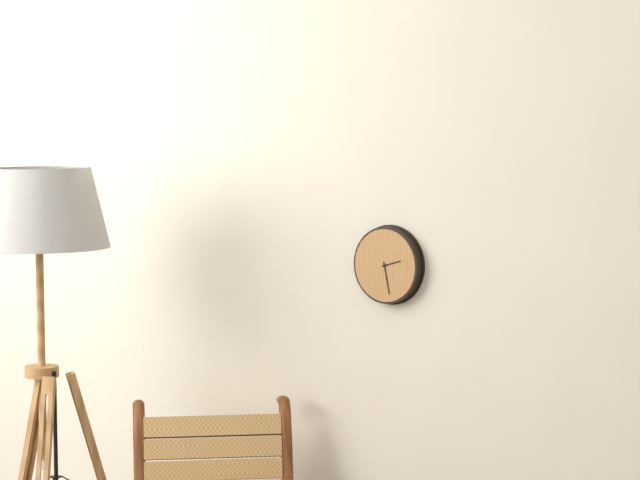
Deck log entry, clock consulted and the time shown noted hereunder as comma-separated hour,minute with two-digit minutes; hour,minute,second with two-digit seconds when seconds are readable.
2,28
